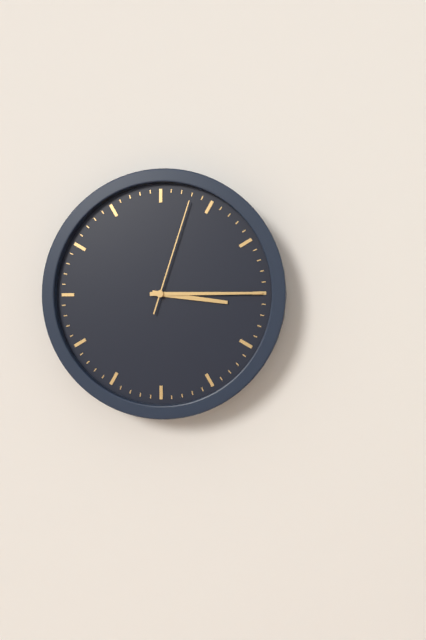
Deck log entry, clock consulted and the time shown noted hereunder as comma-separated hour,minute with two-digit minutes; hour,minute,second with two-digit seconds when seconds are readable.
3,15,03
